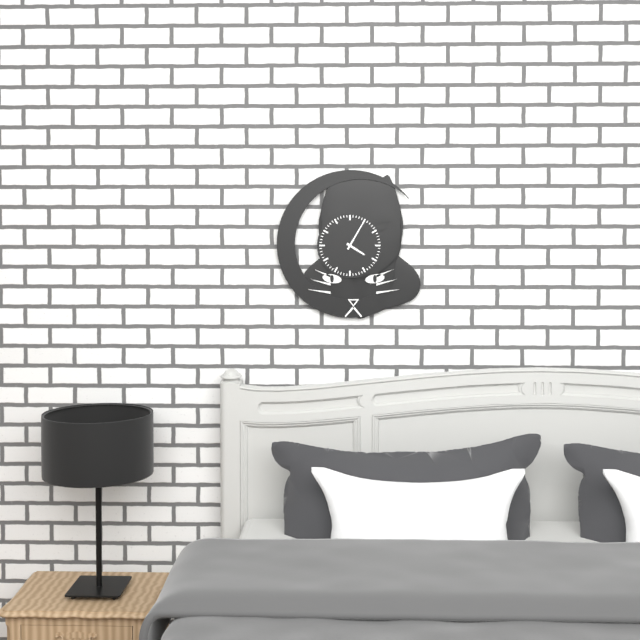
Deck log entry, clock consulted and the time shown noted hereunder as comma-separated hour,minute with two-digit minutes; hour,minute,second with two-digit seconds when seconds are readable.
4,05
